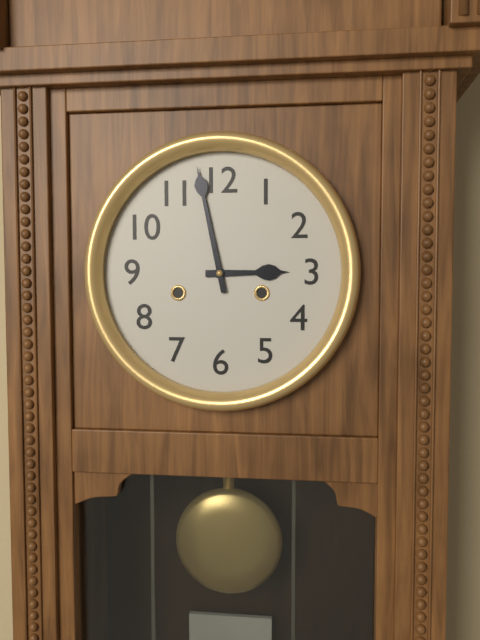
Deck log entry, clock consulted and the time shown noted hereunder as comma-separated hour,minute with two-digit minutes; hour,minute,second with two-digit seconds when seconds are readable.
2,58
